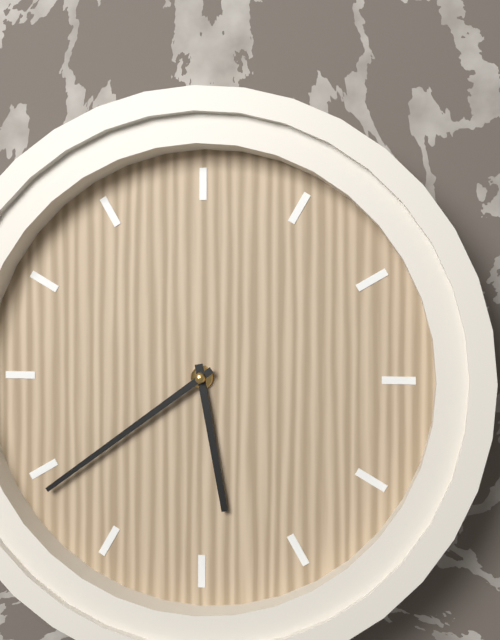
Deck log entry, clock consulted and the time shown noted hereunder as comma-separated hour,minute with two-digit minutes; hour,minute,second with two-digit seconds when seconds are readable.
5,39
